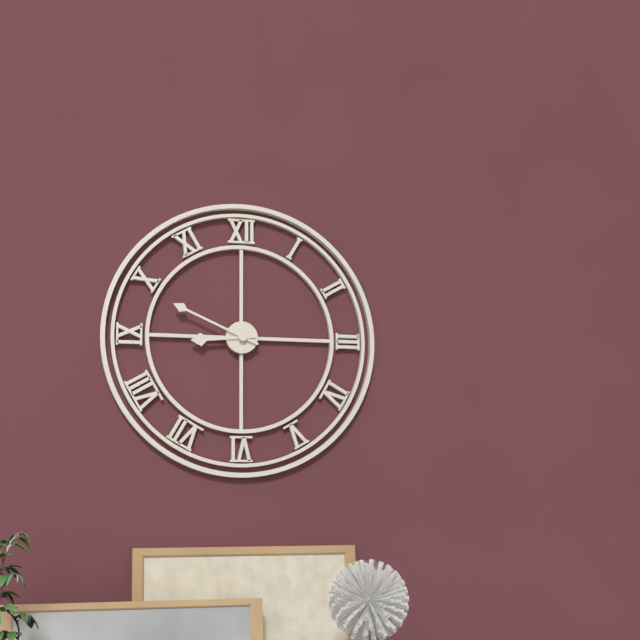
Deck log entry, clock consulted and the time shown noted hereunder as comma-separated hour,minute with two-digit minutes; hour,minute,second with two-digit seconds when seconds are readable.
8,49
